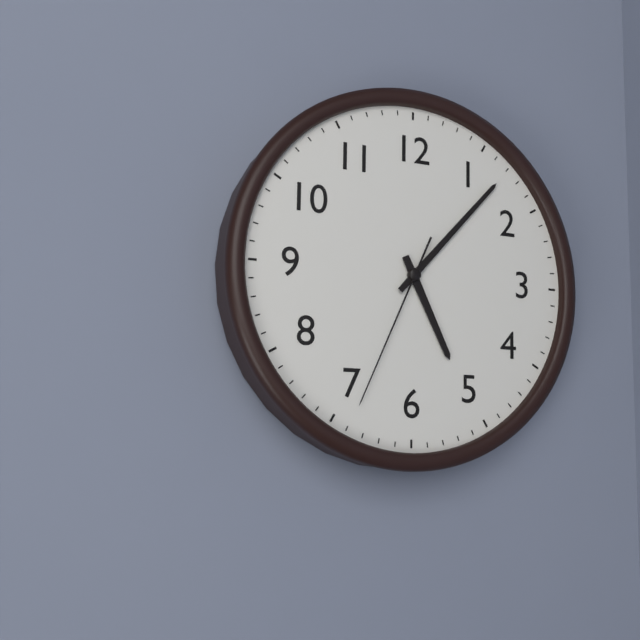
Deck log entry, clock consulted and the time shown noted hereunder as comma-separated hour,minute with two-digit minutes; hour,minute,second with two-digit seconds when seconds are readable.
5,07,34
